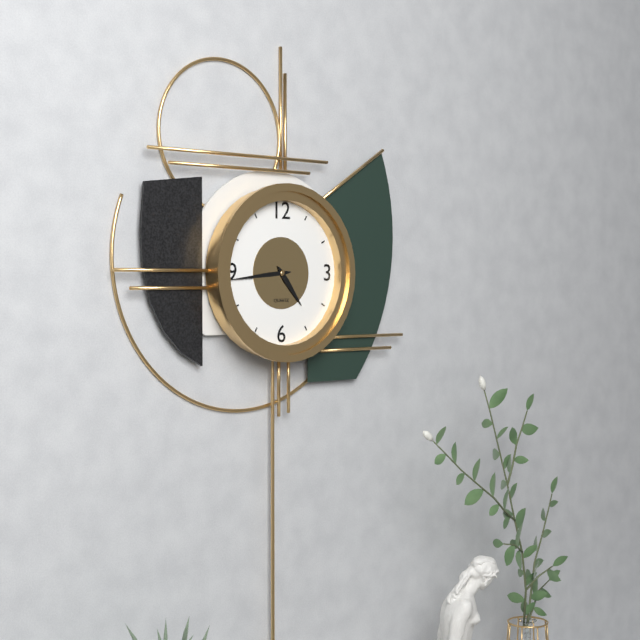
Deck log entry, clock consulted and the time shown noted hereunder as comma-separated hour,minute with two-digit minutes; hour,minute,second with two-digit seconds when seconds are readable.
4,44
